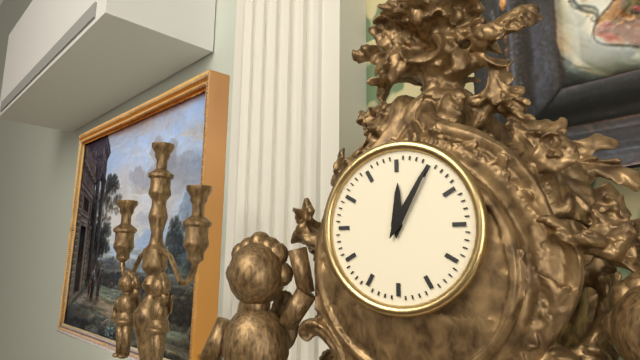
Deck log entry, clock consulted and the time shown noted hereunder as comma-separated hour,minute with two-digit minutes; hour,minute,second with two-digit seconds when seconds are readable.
12,05
